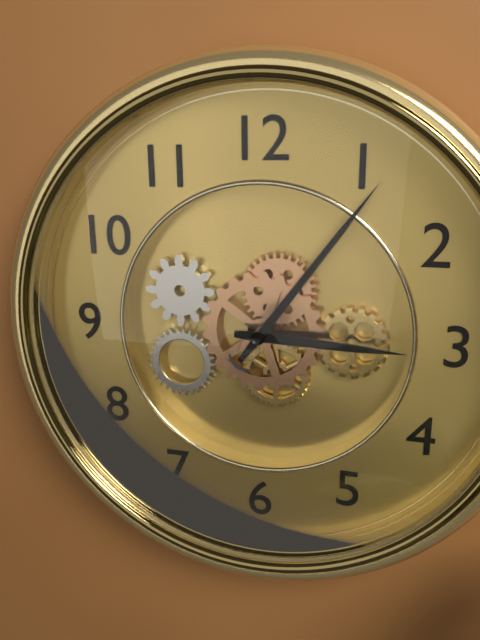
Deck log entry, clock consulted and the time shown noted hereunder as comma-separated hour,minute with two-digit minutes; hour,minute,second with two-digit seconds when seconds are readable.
3,06
